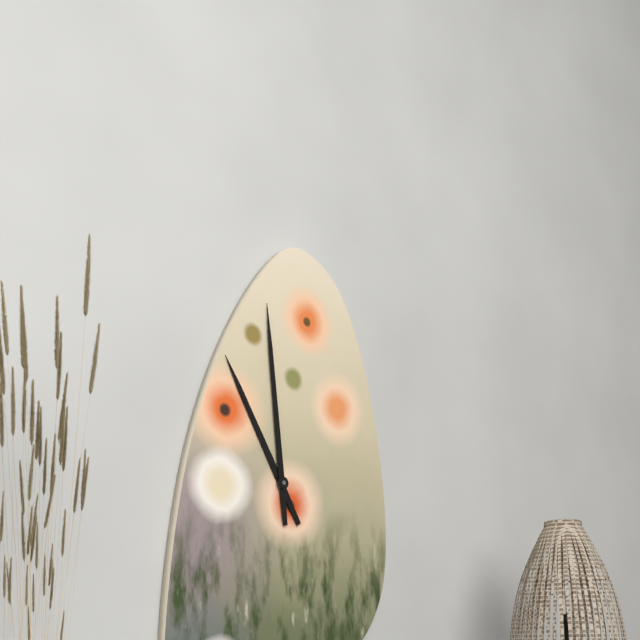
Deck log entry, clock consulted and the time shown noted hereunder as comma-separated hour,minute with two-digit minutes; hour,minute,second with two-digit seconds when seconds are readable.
10,59
